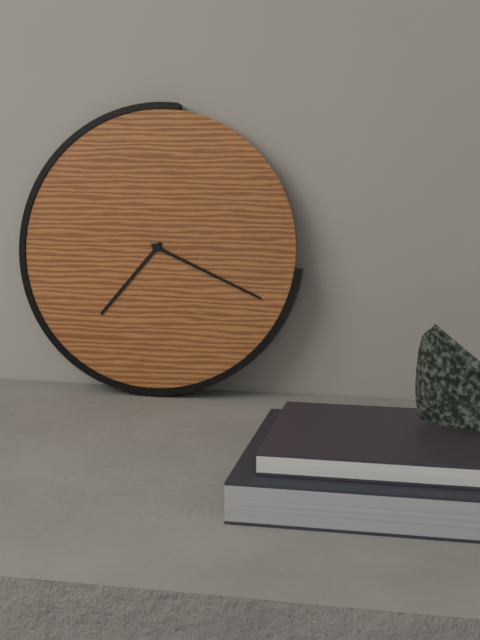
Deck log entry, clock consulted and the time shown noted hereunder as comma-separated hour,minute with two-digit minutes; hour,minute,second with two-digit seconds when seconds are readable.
7,19
